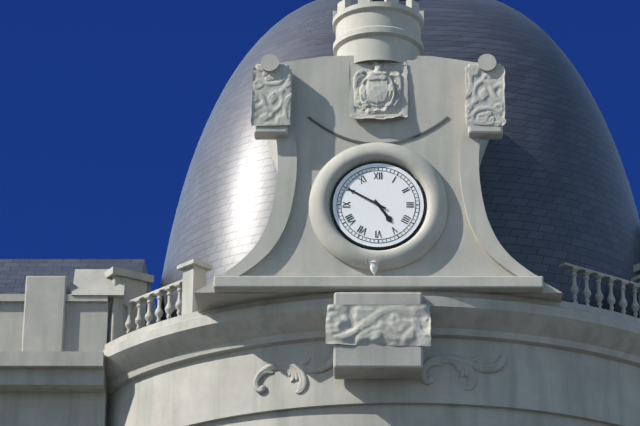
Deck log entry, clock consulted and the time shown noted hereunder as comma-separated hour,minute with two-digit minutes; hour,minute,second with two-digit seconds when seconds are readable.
4,50
